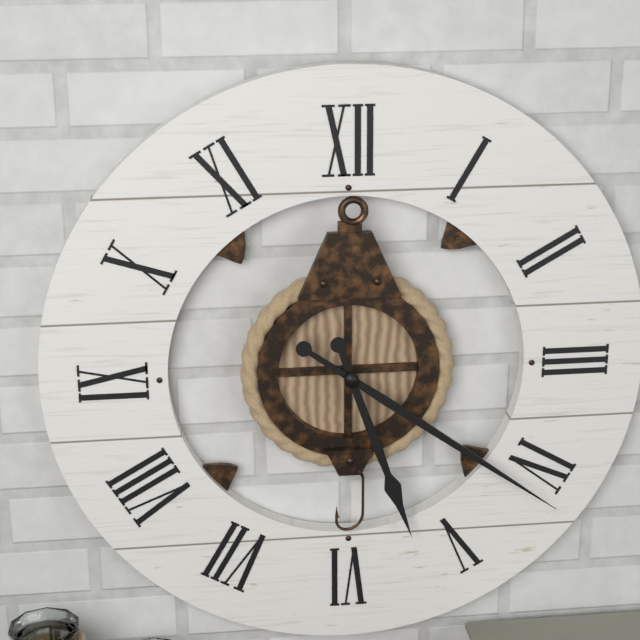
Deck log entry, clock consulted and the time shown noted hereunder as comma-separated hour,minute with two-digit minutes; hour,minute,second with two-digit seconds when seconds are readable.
5,21
